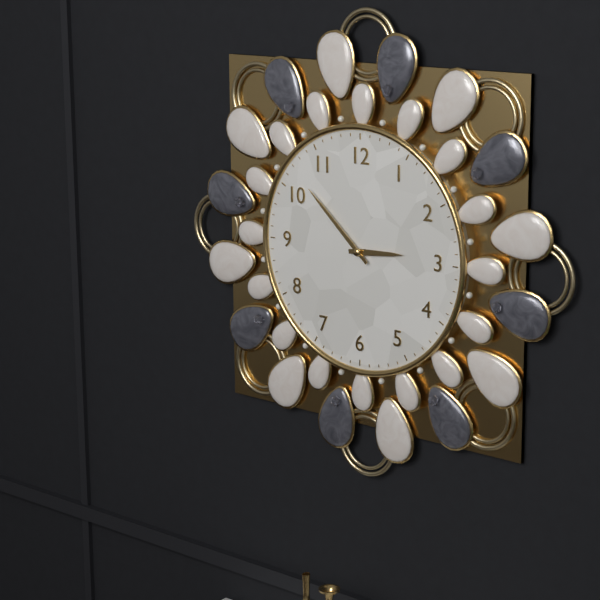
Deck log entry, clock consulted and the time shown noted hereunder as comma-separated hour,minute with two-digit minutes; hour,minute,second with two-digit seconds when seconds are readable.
2,52
